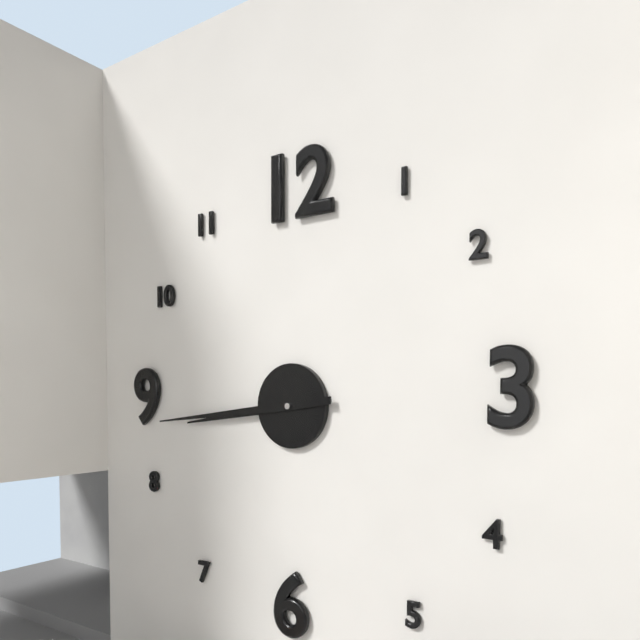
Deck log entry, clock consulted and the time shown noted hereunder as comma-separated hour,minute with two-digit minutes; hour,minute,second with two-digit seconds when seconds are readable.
8,44
